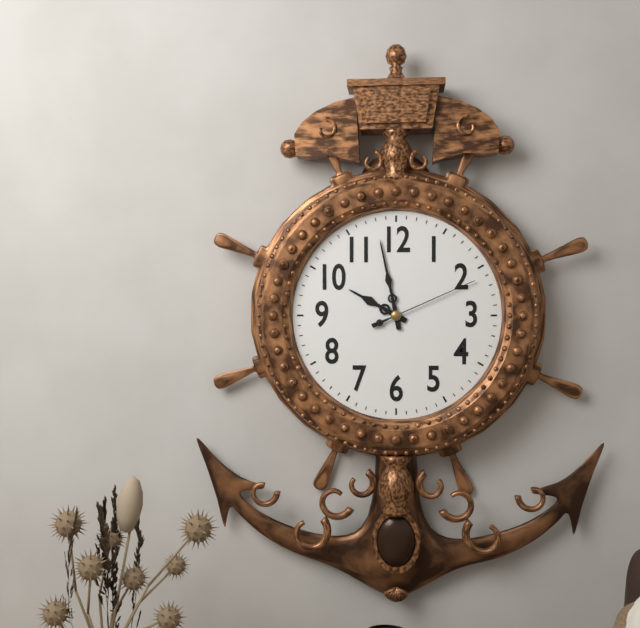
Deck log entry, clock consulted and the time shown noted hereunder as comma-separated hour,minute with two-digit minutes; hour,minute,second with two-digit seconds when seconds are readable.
9,58,11
